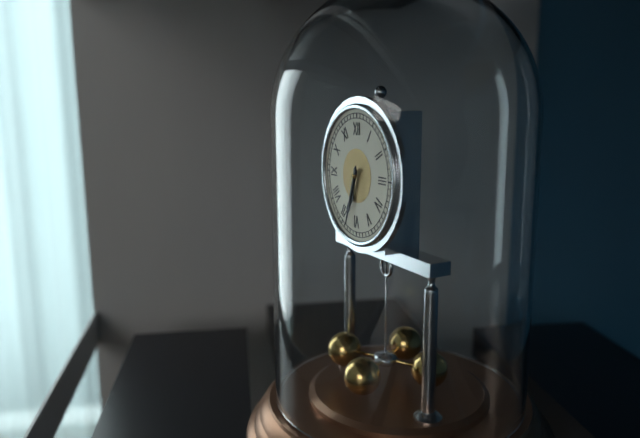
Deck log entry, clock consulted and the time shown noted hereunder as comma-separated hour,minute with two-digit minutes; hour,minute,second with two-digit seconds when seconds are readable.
6,33
